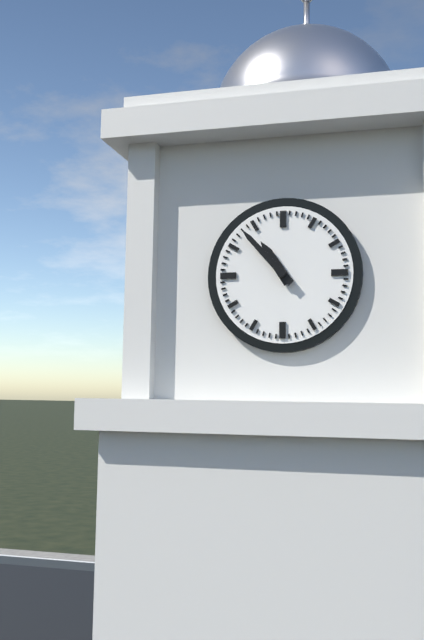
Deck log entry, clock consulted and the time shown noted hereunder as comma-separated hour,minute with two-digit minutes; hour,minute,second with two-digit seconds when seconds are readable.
10,53
